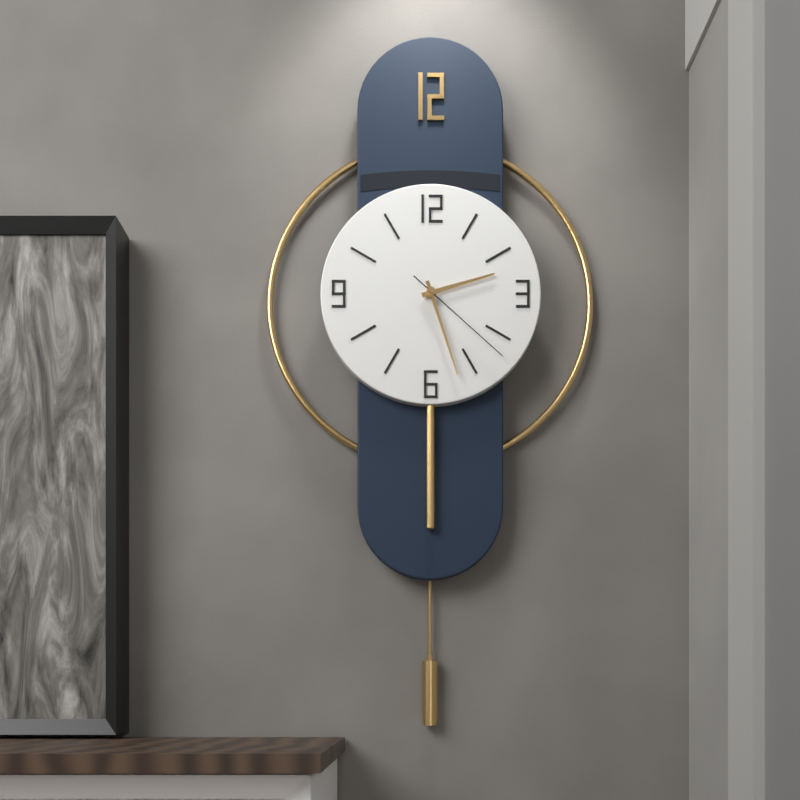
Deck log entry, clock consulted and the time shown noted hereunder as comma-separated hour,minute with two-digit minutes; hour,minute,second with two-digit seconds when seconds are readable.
2,27,22
